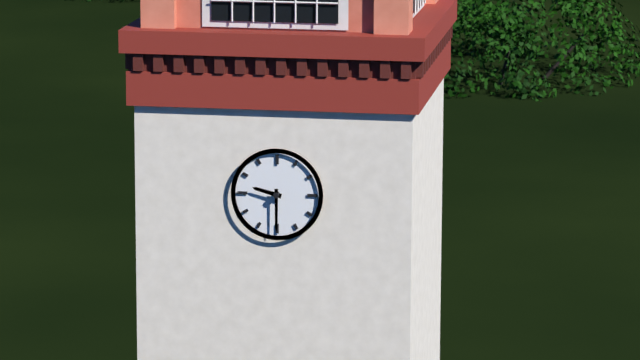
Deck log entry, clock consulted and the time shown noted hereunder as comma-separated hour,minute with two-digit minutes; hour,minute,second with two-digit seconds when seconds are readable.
9,30
